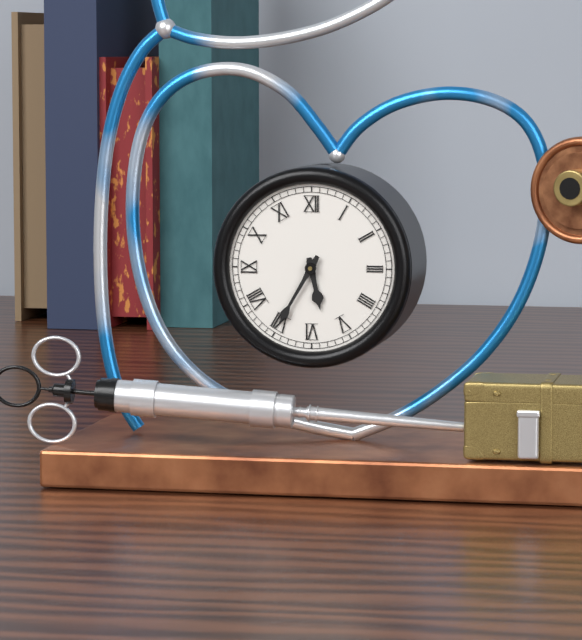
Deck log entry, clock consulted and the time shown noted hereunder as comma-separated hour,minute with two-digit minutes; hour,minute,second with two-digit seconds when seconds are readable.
5,35
